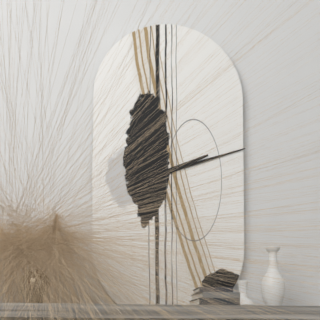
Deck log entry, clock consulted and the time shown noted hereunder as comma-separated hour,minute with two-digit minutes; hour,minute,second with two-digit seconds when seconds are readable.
2,12
